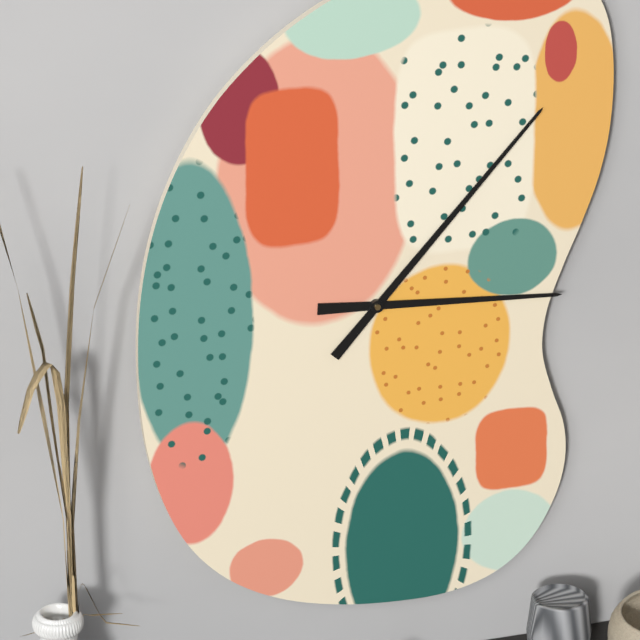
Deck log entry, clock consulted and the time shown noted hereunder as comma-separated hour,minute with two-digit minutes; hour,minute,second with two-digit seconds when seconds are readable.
3,07
